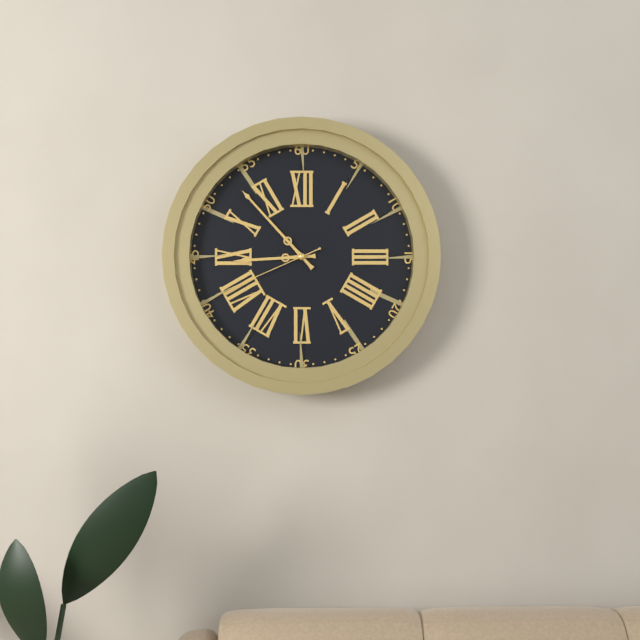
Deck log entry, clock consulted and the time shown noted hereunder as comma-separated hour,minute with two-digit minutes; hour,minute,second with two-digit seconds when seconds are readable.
8,53,41
